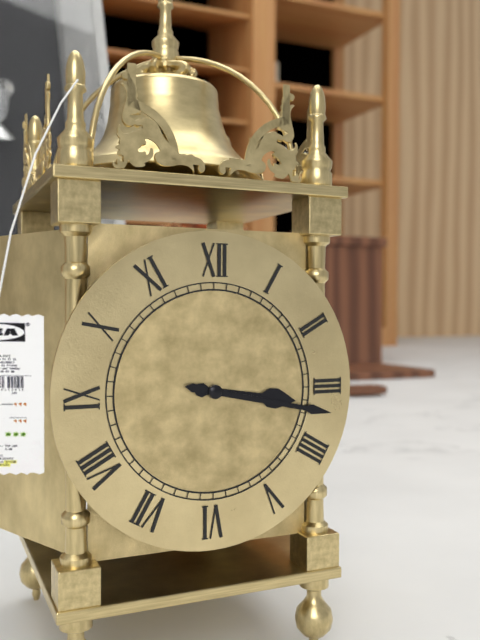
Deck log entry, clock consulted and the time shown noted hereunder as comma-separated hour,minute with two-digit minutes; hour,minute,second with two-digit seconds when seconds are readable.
3,17
